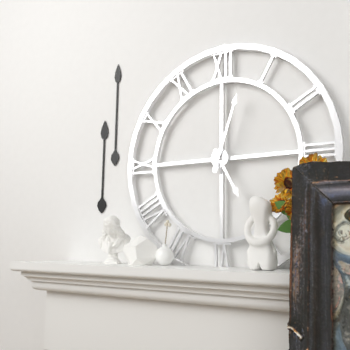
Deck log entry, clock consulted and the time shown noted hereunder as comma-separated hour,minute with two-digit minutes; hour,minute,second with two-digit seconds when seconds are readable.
5,03
